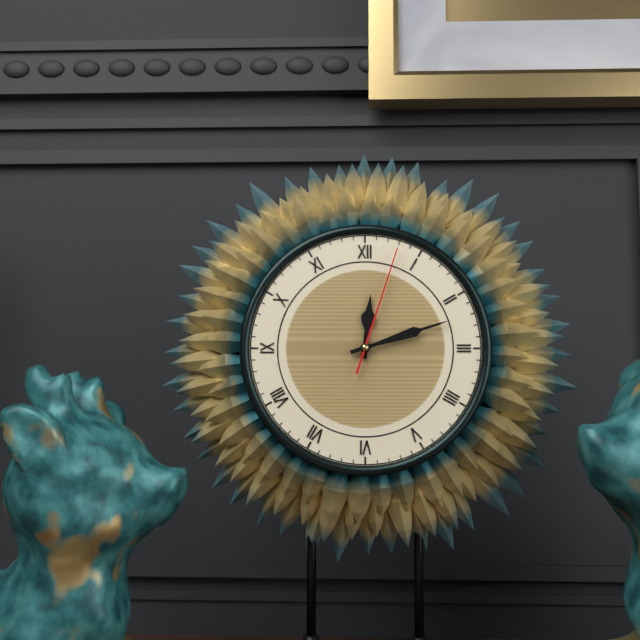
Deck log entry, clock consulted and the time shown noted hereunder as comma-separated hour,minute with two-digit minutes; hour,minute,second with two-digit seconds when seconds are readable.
12,12,03
